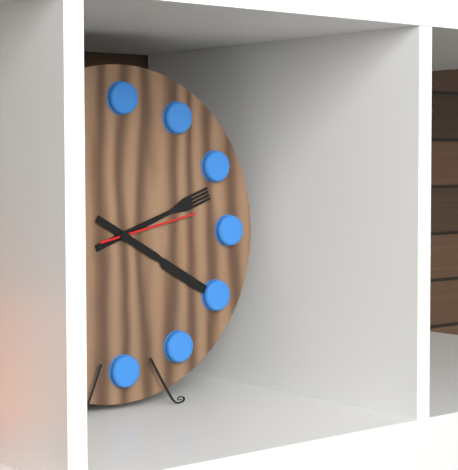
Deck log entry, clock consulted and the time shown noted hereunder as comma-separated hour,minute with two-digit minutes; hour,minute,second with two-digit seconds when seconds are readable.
2,20,13
